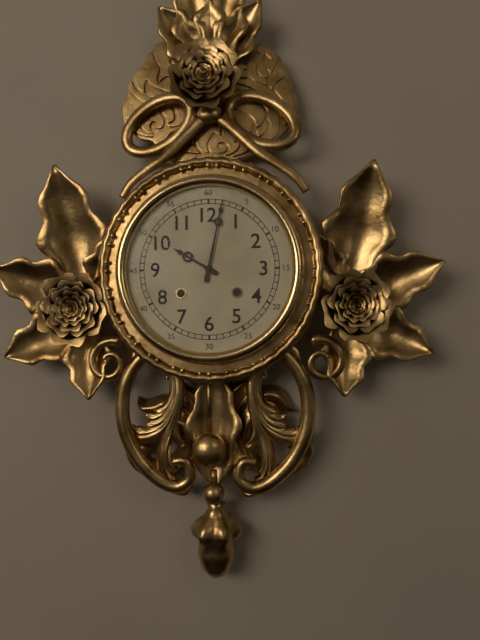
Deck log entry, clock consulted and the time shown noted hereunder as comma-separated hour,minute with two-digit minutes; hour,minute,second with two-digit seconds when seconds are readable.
10,02
